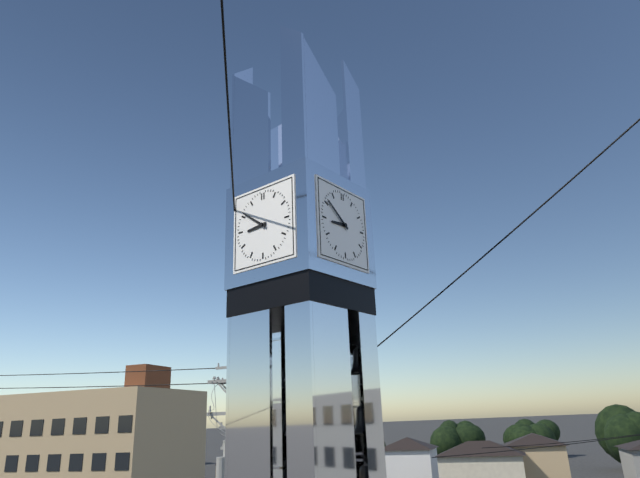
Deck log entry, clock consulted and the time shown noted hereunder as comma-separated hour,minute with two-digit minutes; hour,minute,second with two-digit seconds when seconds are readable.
8,51
